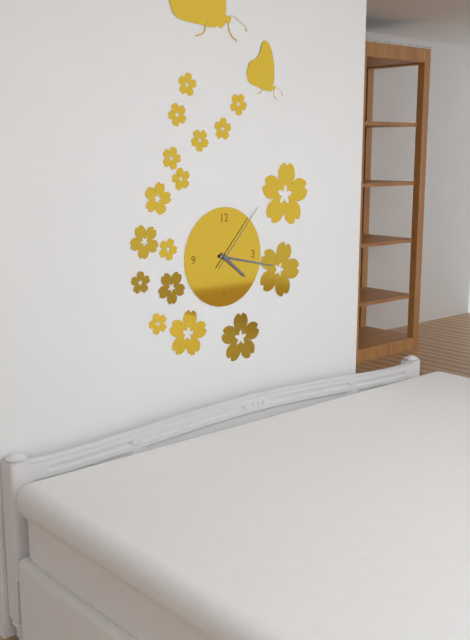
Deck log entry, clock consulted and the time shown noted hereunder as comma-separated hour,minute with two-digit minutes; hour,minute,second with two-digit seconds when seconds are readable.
4,17,07
